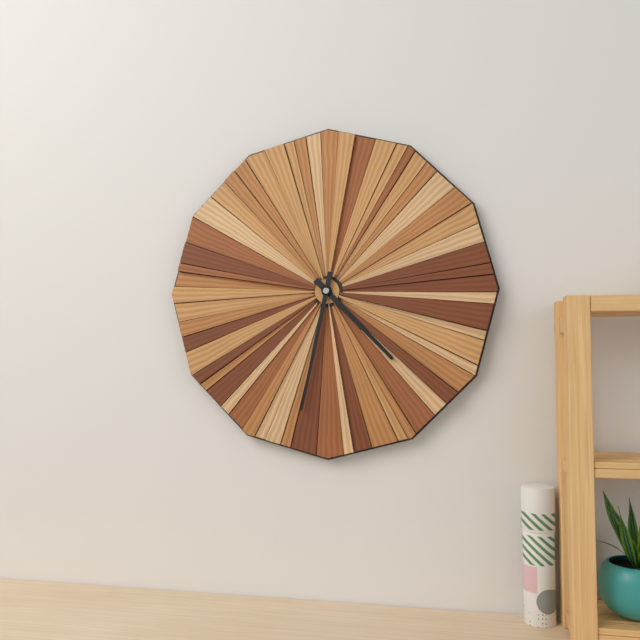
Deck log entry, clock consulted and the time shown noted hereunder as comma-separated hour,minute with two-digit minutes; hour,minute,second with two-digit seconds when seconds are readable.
4,32
